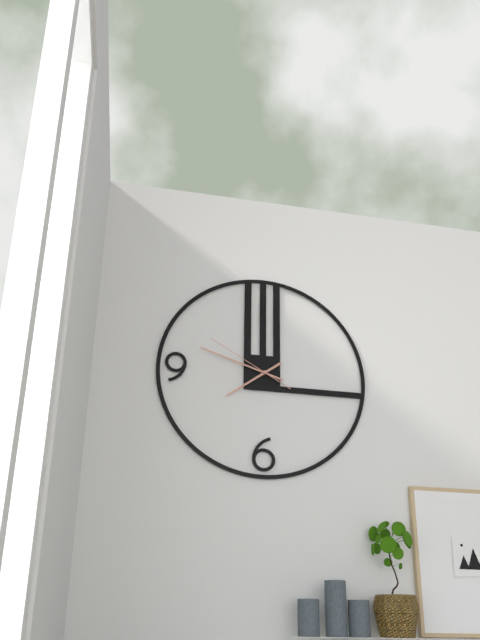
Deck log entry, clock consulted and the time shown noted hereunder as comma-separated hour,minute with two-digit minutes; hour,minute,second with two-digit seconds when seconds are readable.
7,48,50
